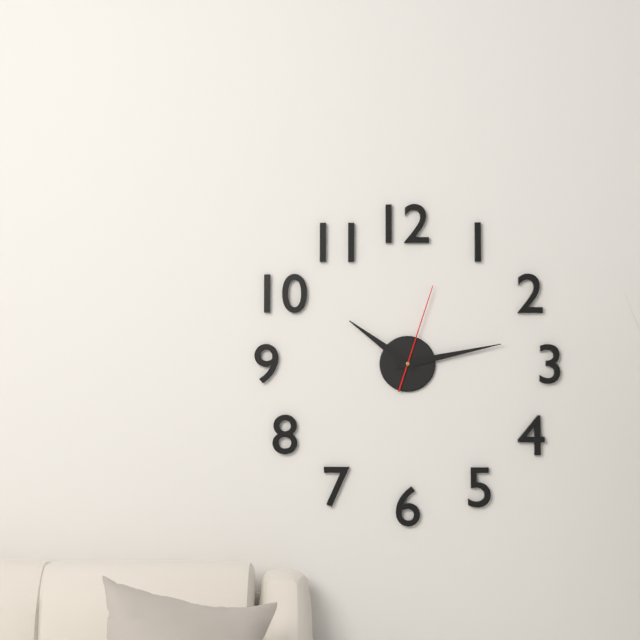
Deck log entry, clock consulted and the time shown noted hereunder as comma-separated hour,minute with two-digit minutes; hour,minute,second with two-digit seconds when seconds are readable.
10,13,03
